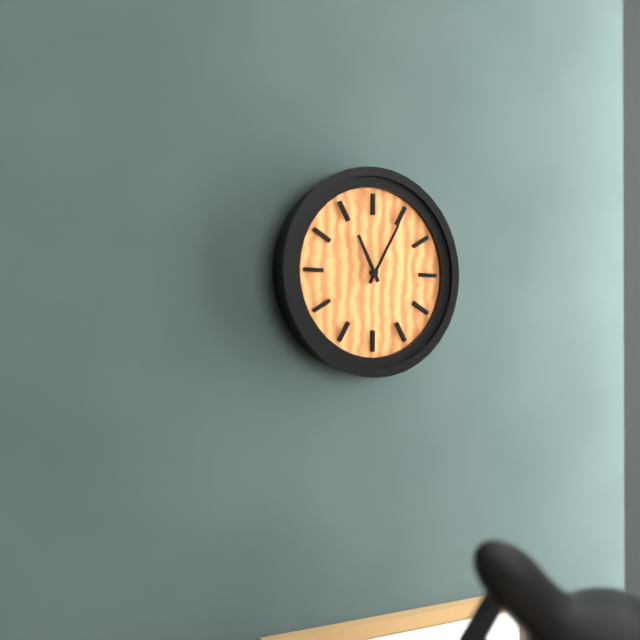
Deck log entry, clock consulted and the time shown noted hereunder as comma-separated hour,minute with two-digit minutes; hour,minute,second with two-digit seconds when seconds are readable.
11,05
